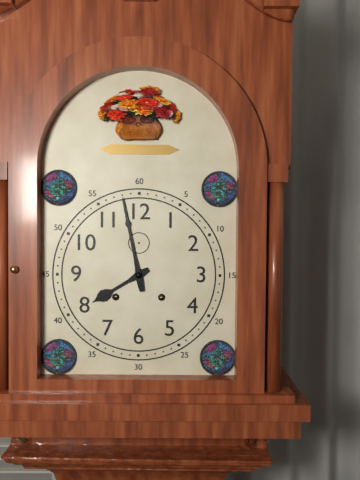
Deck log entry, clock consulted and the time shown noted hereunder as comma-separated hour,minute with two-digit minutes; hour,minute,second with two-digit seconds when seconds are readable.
7,58
